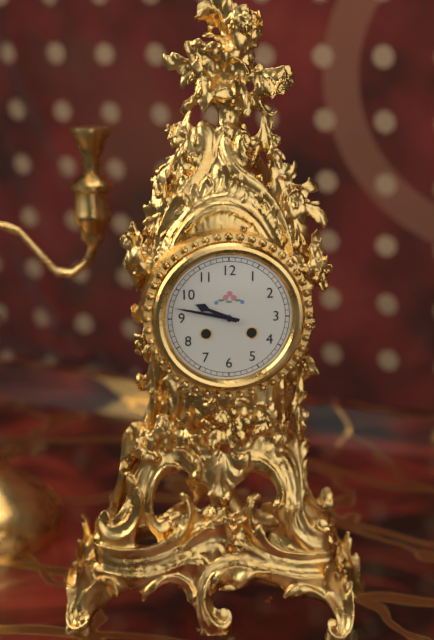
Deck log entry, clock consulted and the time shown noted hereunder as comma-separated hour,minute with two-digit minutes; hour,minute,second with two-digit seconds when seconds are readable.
9,47
